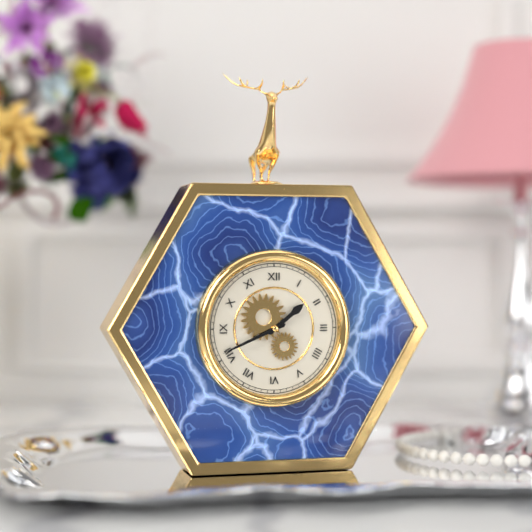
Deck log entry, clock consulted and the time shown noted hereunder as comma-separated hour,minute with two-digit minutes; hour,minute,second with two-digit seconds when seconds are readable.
1,41
